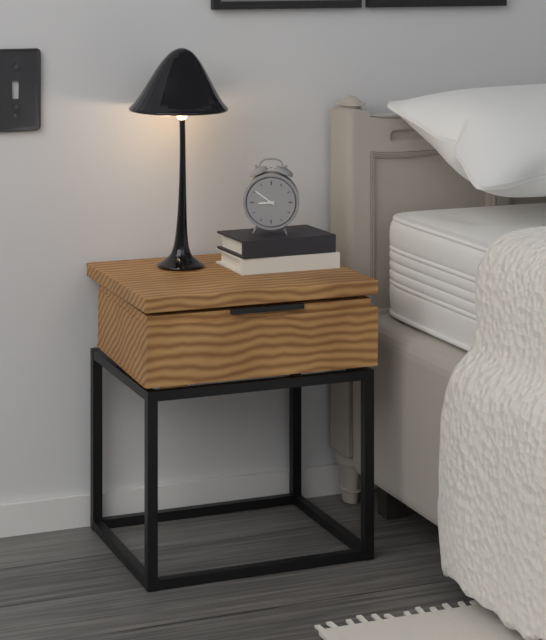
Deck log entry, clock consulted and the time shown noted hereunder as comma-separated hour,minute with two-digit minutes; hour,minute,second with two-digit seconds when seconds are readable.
8,51
